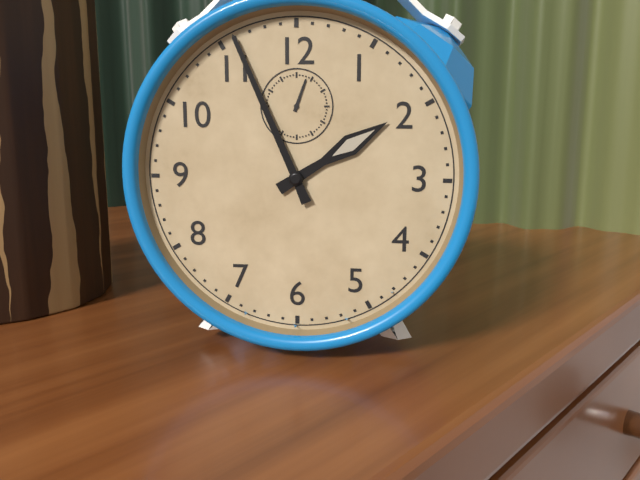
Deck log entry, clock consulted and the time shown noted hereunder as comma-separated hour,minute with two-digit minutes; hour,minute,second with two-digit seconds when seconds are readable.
1,56
